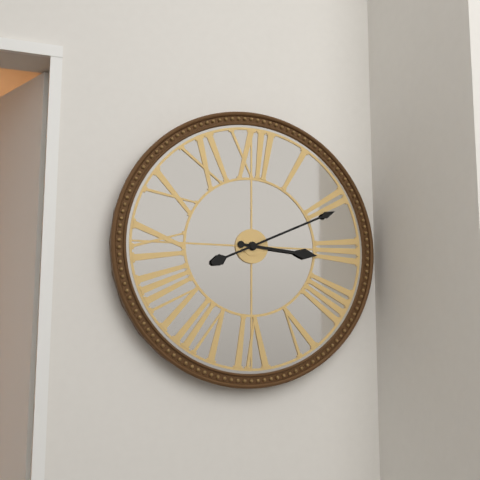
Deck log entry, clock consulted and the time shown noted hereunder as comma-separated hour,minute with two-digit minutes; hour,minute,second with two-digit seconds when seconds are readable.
3,11
